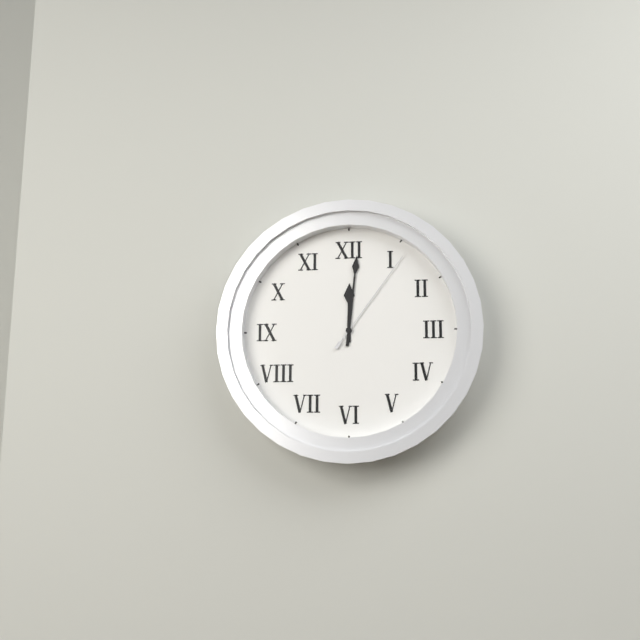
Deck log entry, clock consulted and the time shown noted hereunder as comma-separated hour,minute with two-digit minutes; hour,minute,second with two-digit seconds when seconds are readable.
12,01,06
